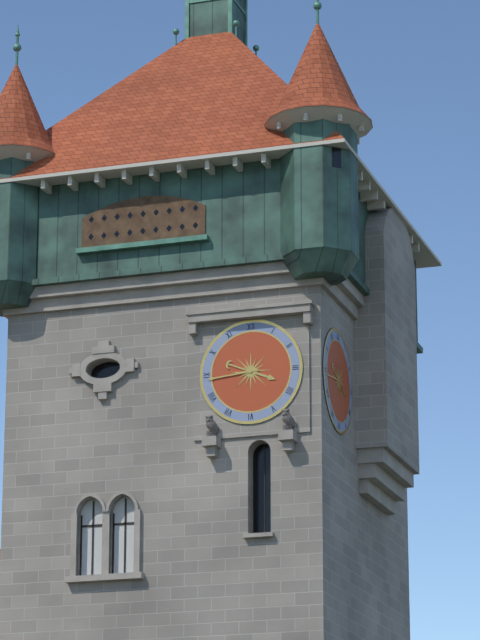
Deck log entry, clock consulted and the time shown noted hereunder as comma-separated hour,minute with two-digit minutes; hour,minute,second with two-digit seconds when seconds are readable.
3,44
